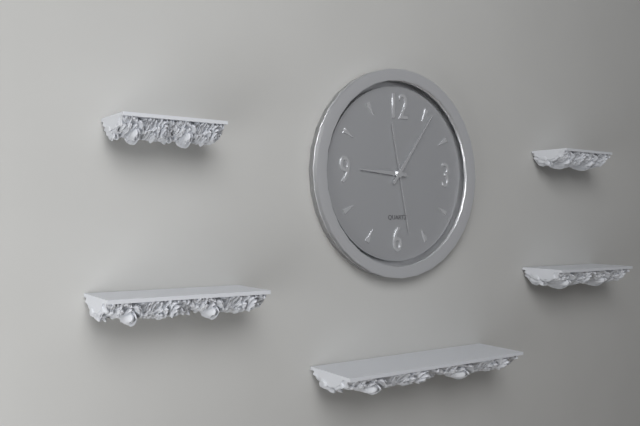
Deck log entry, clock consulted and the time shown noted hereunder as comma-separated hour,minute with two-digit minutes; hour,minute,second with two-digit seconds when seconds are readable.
9,06,28
